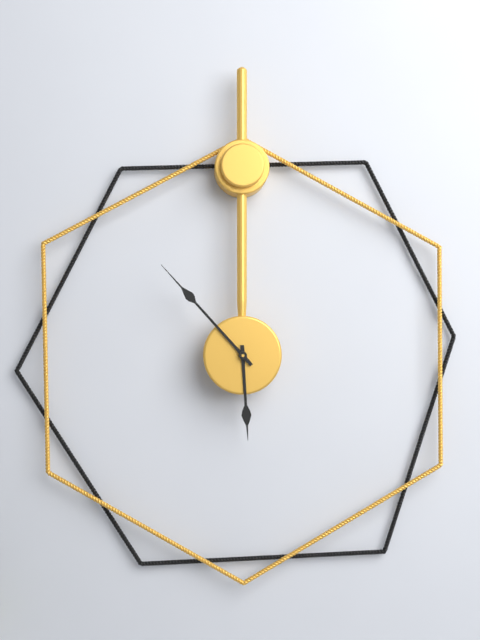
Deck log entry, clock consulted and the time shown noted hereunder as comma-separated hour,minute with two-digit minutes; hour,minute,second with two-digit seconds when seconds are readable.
5,53
